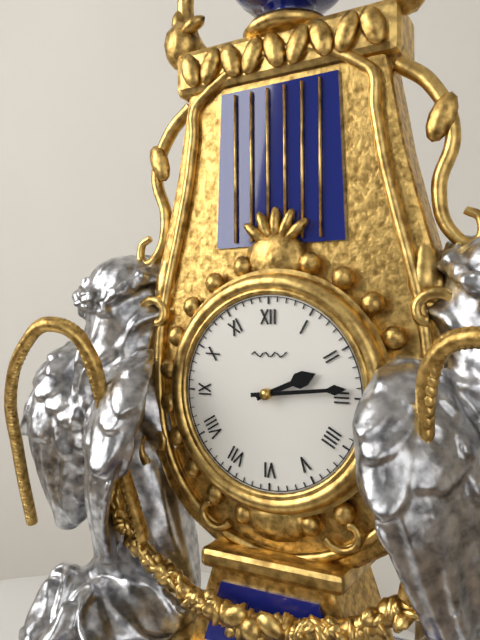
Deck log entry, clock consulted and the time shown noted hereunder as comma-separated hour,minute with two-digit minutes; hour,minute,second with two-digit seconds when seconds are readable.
2,14
